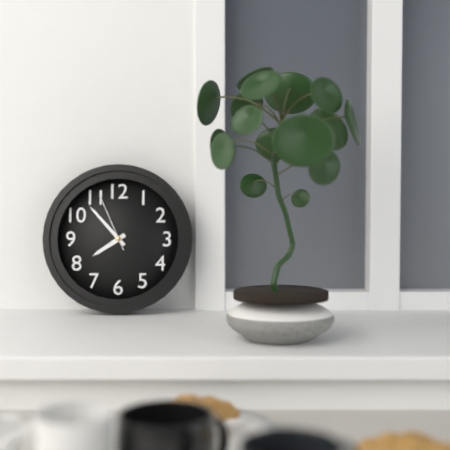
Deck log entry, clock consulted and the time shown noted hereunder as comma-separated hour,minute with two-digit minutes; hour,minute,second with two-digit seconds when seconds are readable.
7,53,56
